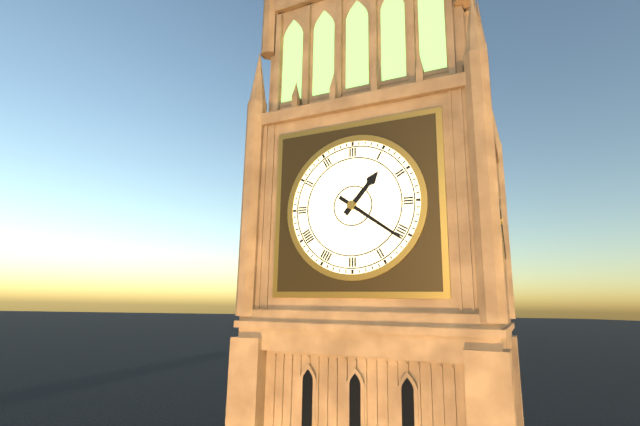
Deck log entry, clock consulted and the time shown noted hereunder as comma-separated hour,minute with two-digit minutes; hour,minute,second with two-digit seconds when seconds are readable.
1,21
